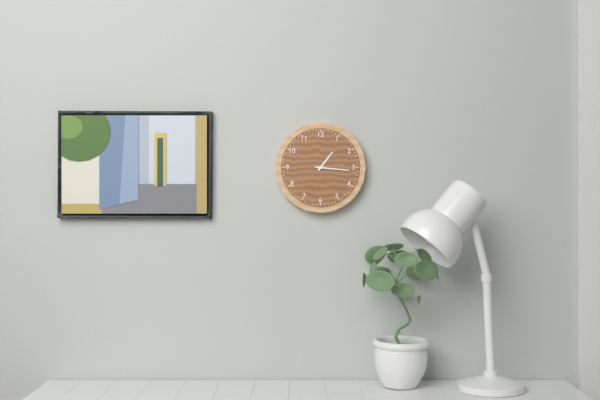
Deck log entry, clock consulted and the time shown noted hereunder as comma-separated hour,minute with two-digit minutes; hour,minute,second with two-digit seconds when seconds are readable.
1,16
